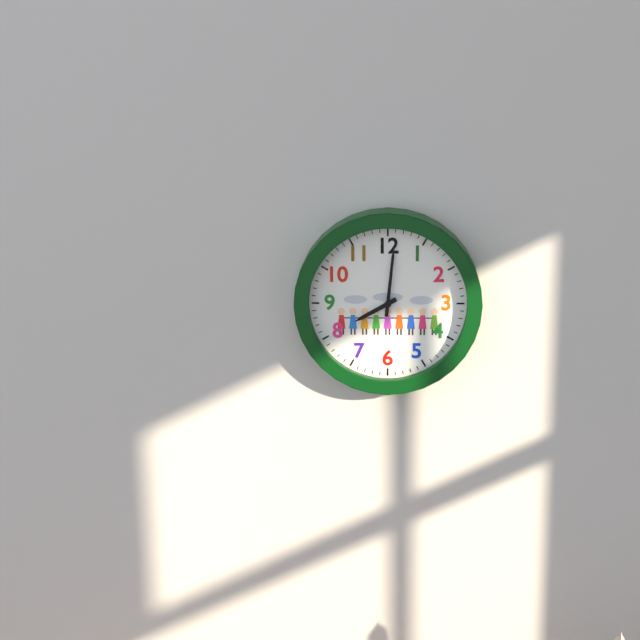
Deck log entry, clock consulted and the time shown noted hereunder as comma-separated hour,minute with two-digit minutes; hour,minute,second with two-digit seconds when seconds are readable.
8,01
